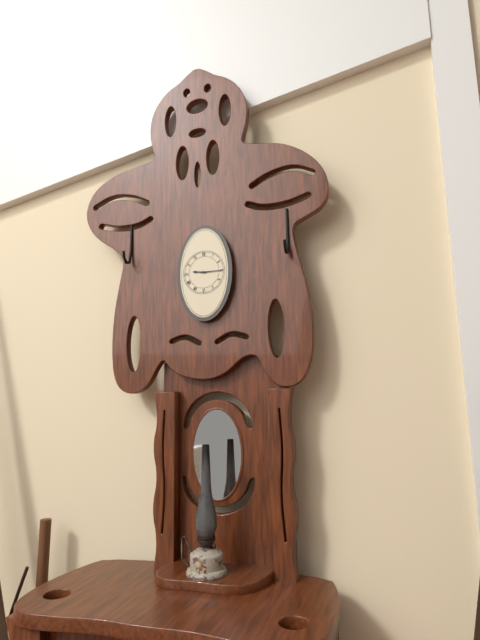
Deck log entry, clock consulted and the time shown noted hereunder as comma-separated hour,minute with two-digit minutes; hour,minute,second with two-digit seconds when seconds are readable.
9,15
